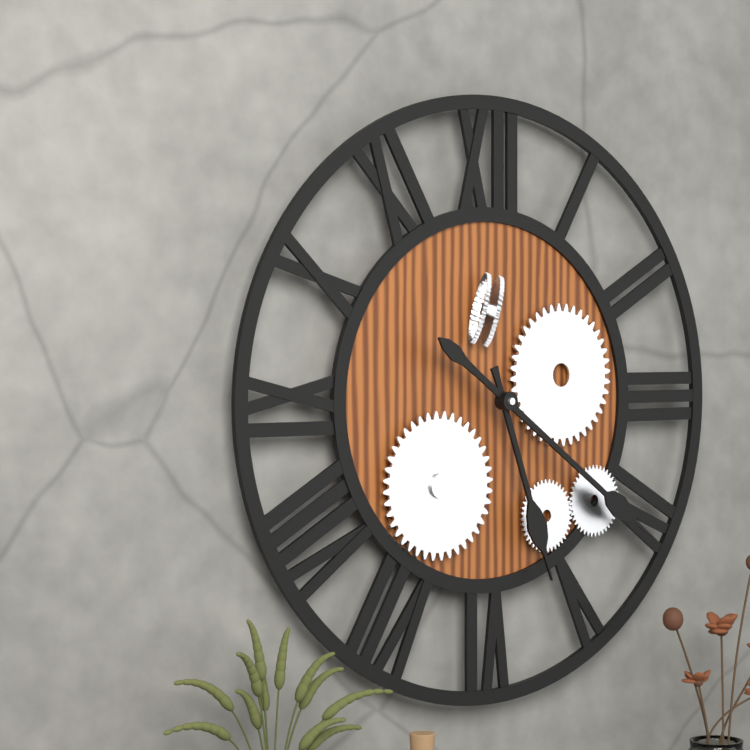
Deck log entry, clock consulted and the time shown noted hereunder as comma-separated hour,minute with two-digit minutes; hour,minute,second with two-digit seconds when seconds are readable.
5,21
